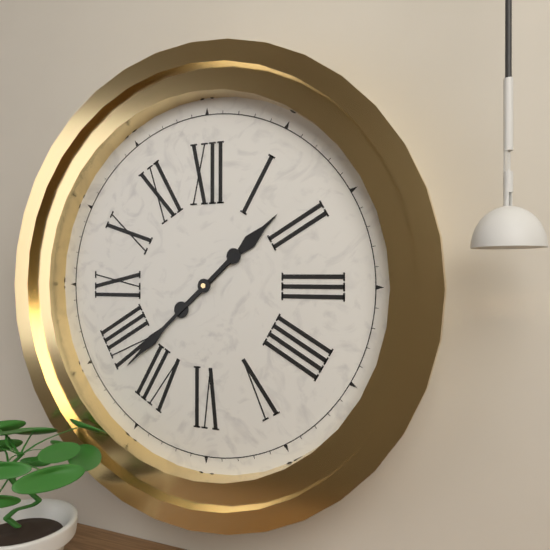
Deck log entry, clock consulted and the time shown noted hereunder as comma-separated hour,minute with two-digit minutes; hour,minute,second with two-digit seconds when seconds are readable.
1,38
